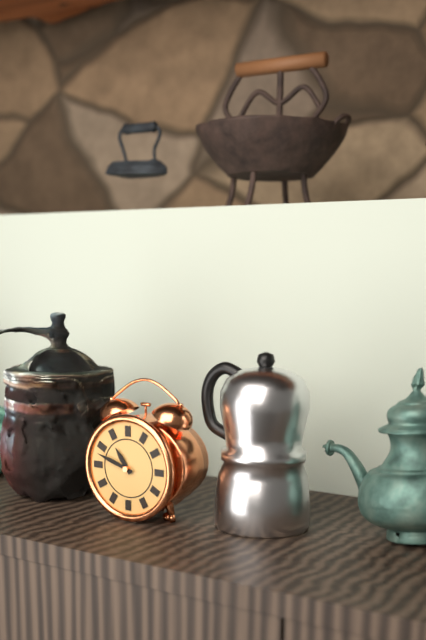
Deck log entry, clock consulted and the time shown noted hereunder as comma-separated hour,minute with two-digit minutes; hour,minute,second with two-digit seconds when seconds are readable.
10,48
